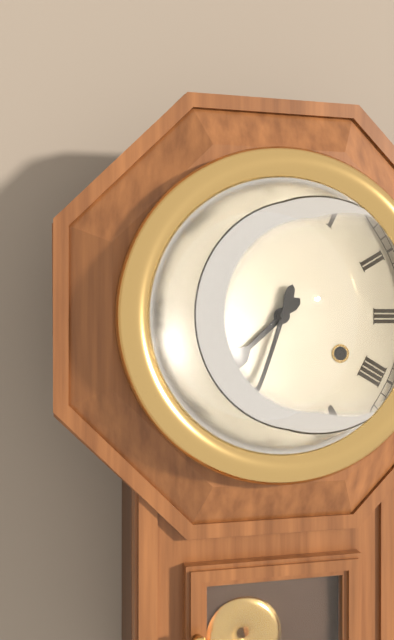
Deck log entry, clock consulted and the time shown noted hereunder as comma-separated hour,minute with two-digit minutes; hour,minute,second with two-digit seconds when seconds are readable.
7,33
